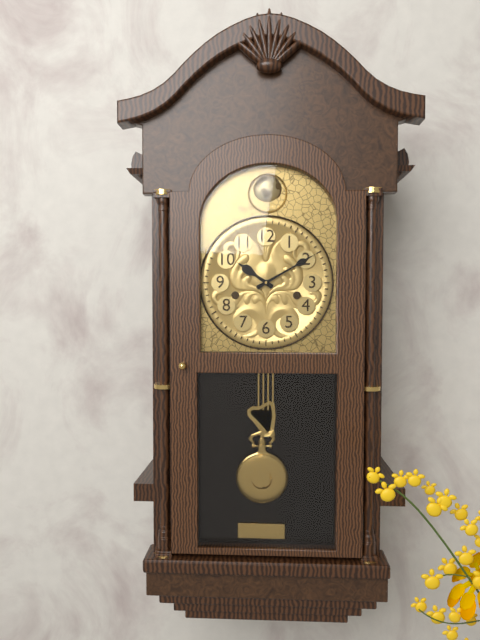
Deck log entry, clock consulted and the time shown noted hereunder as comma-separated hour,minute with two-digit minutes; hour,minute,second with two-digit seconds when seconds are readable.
10,10
